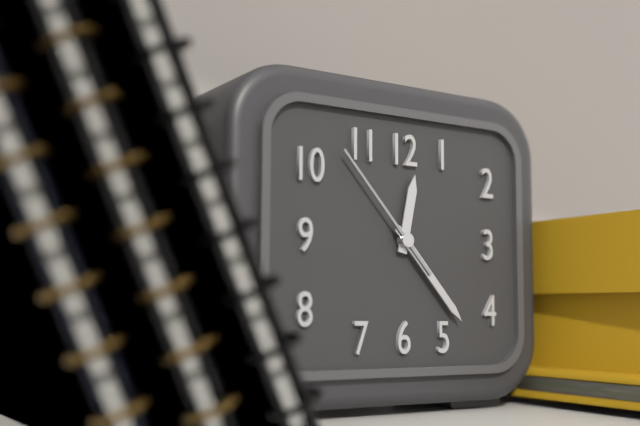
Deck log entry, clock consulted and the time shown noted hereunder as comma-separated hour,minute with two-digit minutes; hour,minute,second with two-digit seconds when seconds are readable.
12,23,53
